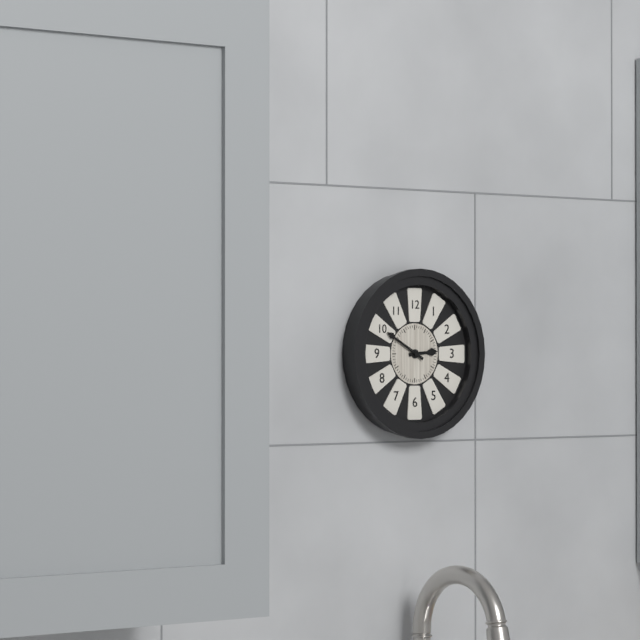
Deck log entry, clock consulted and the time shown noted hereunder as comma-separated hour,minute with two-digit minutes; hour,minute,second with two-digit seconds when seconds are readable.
2,50
